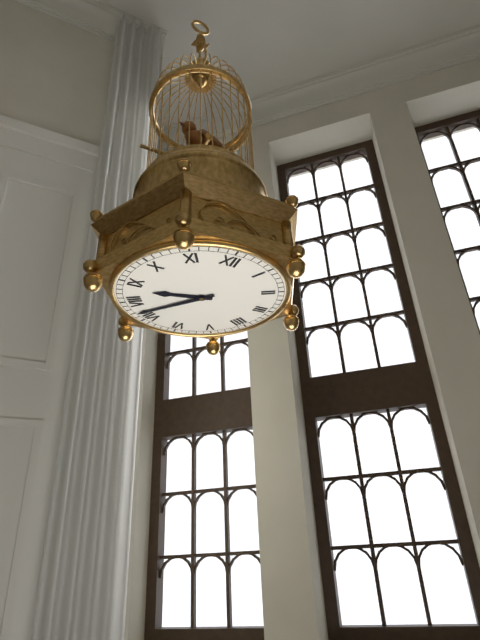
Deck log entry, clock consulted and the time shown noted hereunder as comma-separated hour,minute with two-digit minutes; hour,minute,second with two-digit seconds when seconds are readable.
8,37
